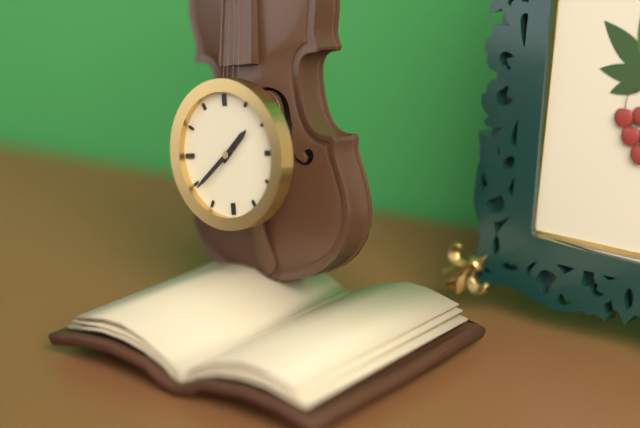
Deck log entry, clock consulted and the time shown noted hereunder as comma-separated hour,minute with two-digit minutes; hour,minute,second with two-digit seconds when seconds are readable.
1,39
